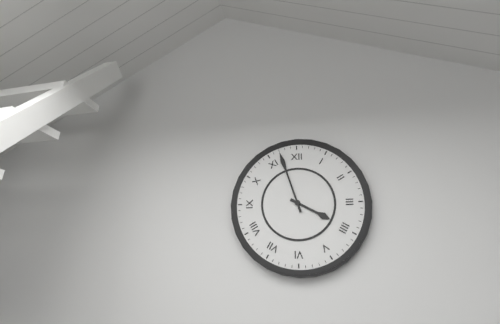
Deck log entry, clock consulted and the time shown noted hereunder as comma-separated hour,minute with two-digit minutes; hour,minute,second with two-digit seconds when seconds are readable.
3,57
